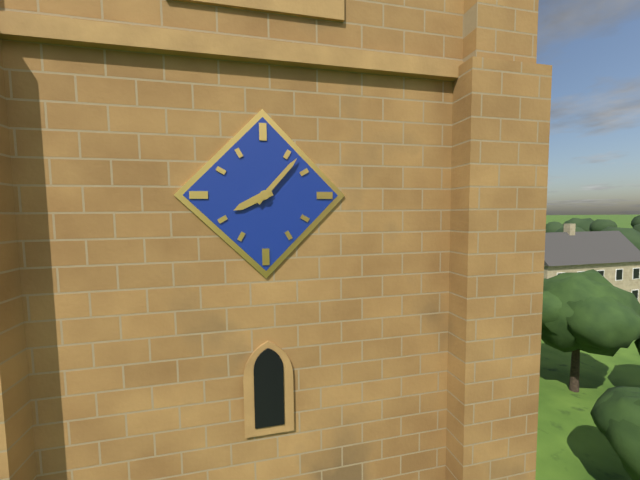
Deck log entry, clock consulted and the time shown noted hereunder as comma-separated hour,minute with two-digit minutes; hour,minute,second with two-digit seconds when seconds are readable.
8,07
